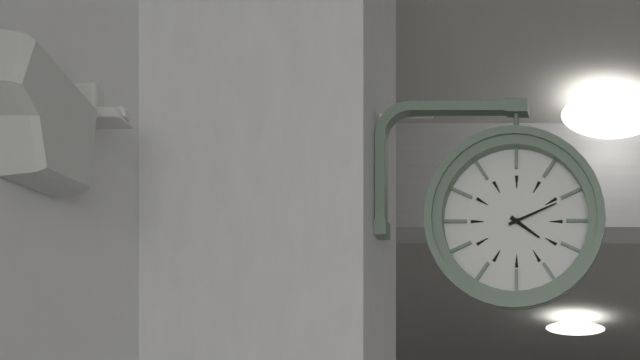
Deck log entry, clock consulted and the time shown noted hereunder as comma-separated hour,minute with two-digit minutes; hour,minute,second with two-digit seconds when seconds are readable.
4,11
